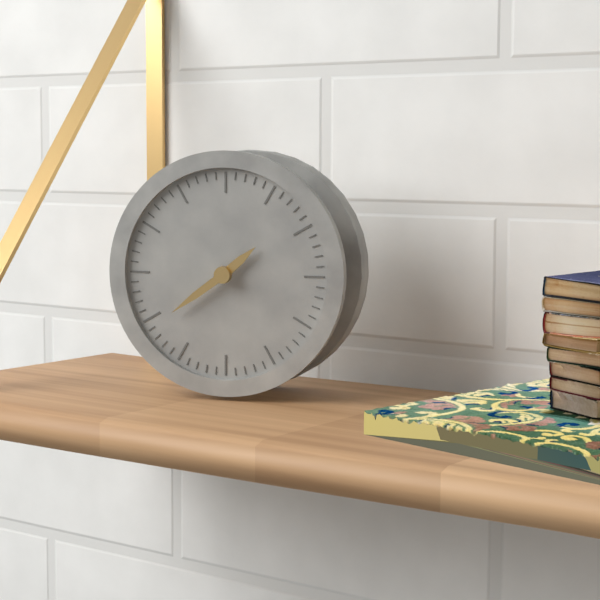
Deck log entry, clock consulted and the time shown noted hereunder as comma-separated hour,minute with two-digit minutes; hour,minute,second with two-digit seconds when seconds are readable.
1,39
